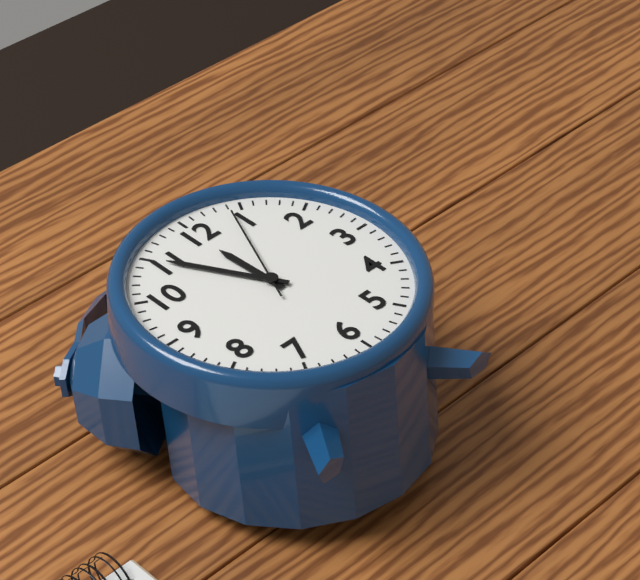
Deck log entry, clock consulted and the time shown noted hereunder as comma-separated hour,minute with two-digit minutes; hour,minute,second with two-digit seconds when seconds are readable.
11,55,04
